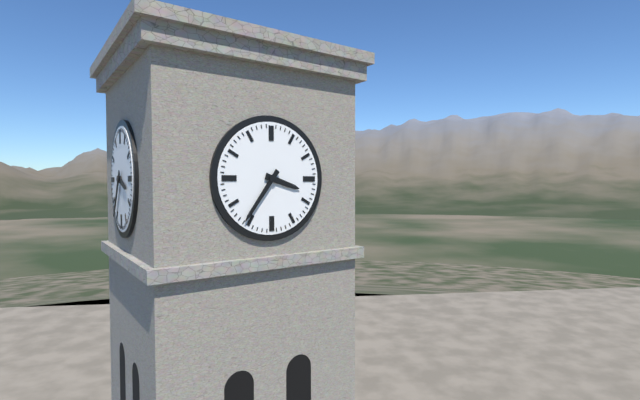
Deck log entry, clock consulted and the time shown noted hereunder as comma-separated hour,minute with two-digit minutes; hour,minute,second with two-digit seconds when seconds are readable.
3,36
